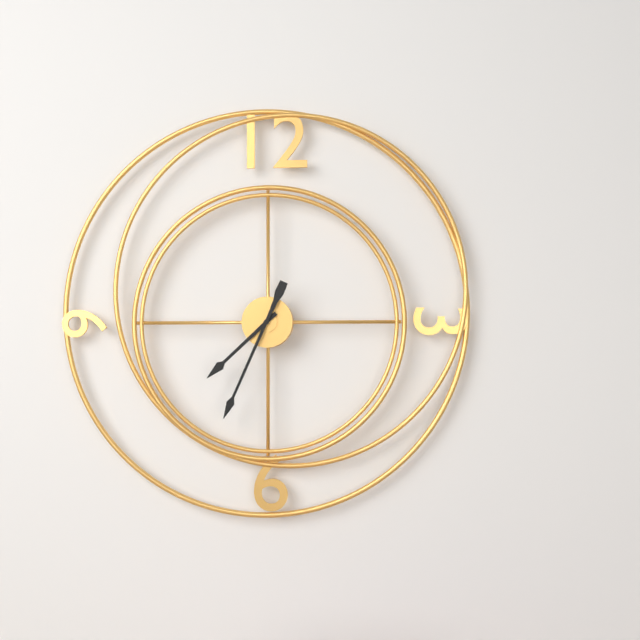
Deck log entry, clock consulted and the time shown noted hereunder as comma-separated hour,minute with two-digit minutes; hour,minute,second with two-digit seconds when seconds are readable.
7,34
